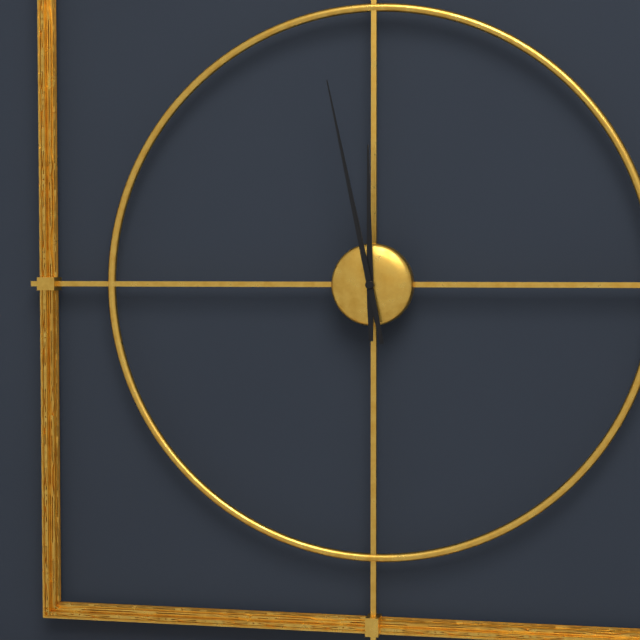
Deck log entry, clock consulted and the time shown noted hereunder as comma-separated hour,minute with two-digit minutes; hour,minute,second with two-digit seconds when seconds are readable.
11,58
